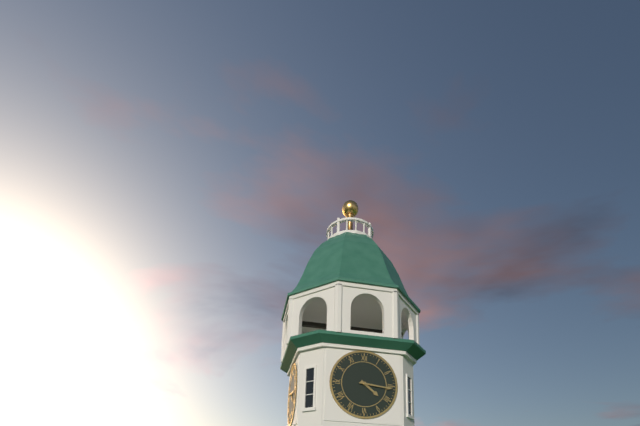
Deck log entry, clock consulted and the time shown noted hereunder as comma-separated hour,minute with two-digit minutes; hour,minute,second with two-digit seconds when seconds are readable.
4,16
